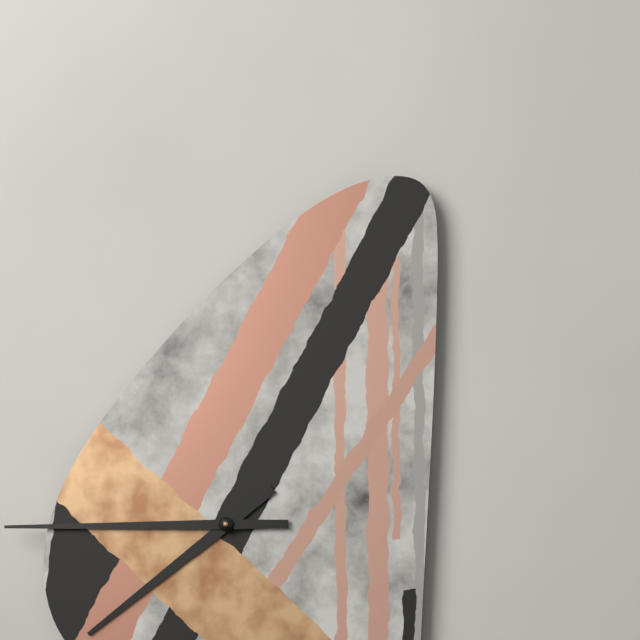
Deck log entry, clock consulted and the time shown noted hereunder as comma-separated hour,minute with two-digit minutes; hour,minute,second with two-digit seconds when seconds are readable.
7,45
